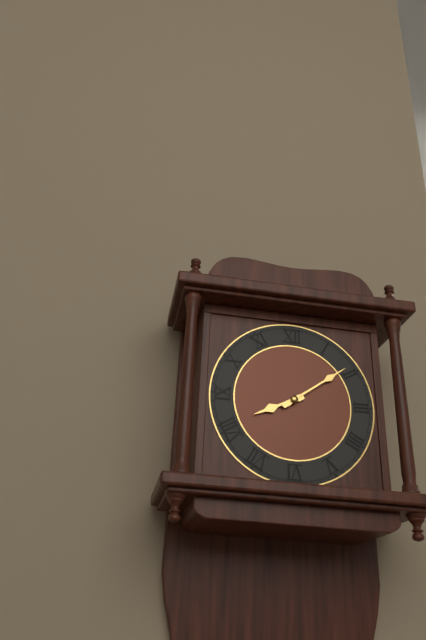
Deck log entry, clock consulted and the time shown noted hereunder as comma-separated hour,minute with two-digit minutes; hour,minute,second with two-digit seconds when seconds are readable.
8,09
